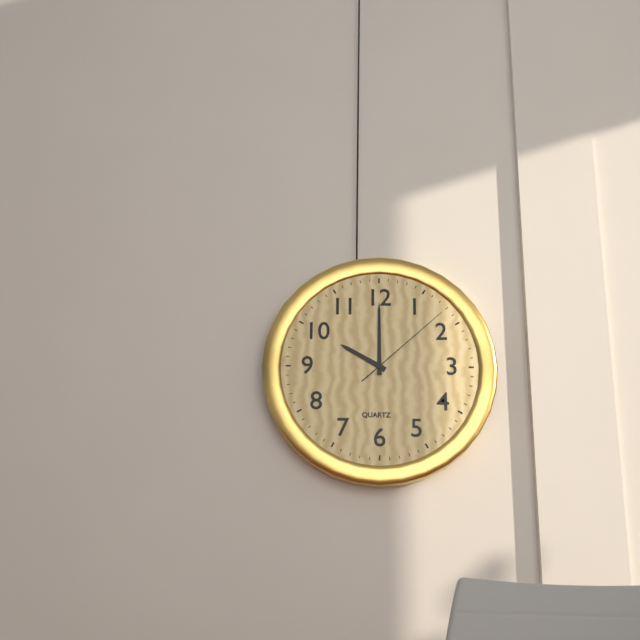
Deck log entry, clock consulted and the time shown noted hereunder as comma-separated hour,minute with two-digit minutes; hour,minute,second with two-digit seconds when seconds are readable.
10,00,08
